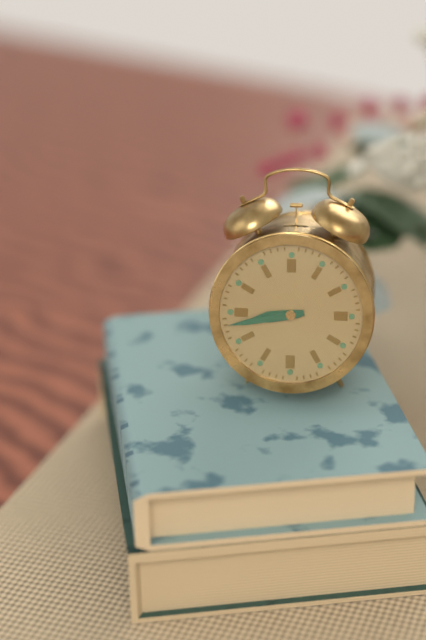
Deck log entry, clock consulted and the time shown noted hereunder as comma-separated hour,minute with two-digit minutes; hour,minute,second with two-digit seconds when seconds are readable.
8,43
